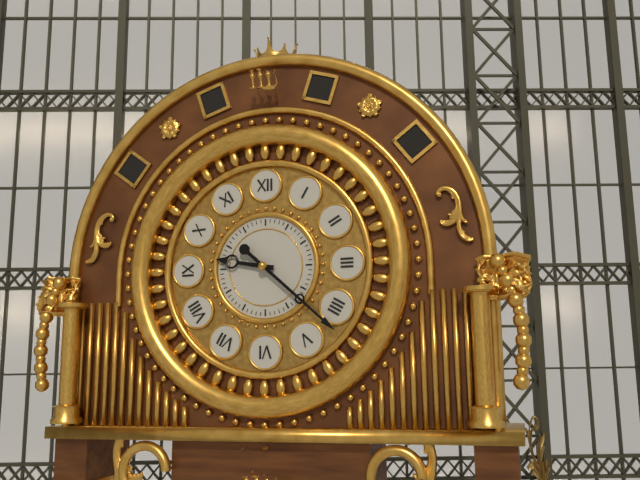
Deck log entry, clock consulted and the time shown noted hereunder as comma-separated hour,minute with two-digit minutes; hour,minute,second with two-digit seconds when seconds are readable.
9,22
